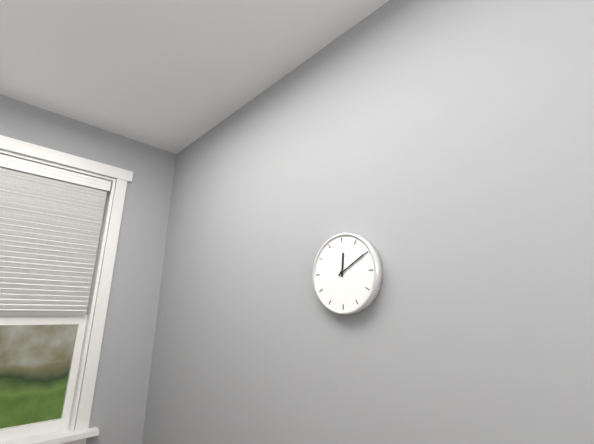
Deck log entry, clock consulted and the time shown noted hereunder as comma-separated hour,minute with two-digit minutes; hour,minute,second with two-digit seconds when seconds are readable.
12,10
